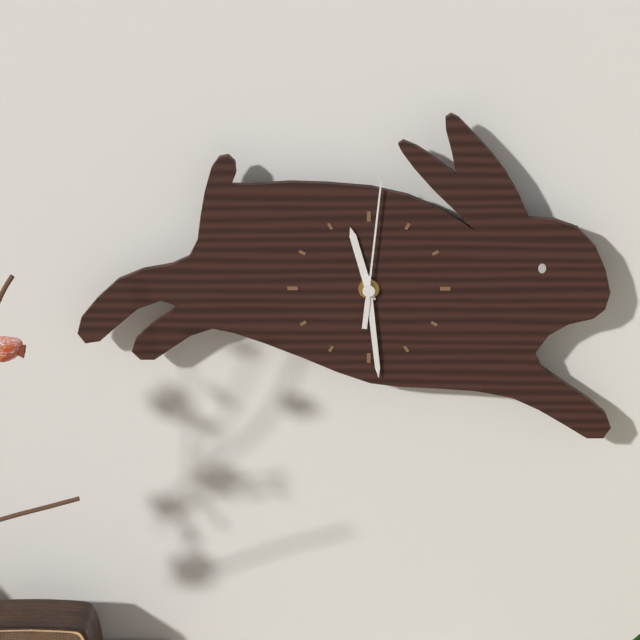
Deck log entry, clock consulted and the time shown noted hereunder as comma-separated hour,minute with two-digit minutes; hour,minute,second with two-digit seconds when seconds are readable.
11,29,01
